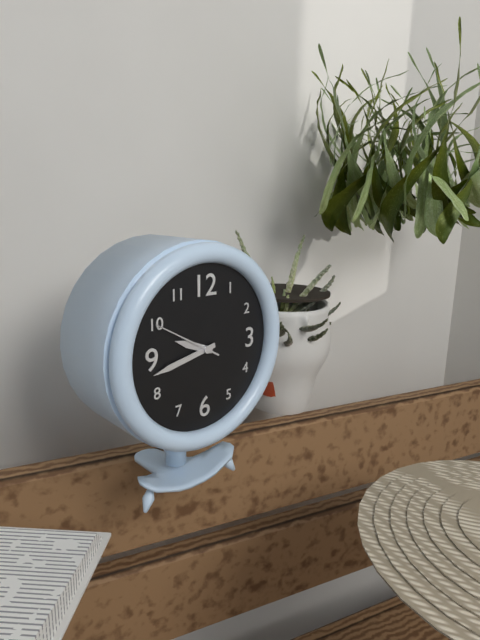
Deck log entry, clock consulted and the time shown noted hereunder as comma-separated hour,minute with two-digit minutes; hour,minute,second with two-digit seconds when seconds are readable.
9,43,50
